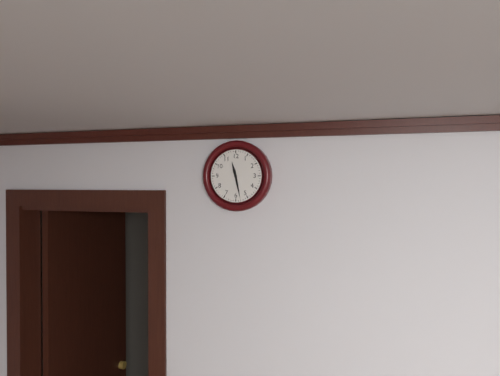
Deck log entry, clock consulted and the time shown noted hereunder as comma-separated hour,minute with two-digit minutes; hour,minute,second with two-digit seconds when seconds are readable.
11,28
